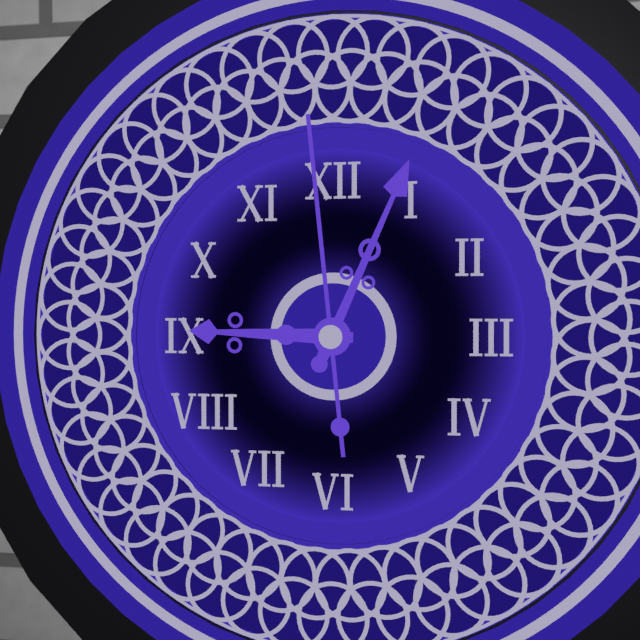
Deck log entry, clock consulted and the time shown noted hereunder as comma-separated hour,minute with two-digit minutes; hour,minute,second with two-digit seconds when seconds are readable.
9,04,59
